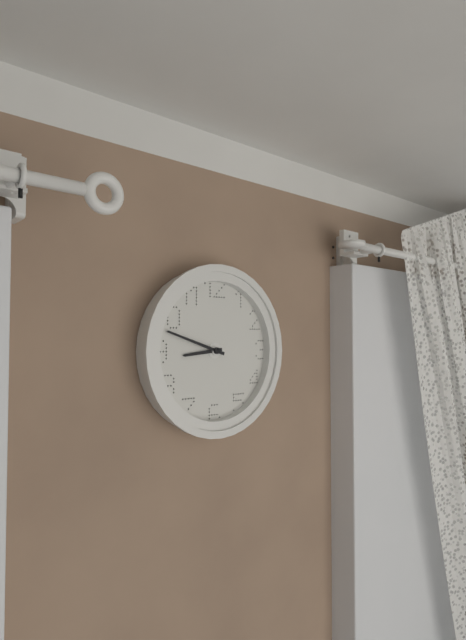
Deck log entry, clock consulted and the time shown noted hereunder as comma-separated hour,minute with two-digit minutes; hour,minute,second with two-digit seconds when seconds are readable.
8,48
